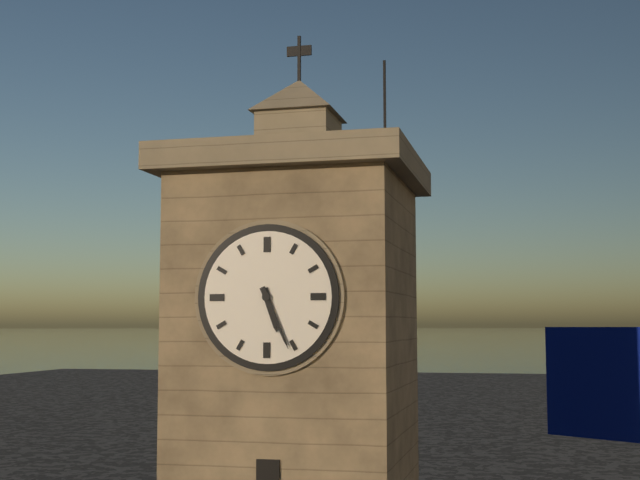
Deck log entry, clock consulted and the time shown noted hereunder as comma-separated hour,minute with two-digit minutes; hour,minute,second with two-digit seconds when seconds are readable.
5,26
